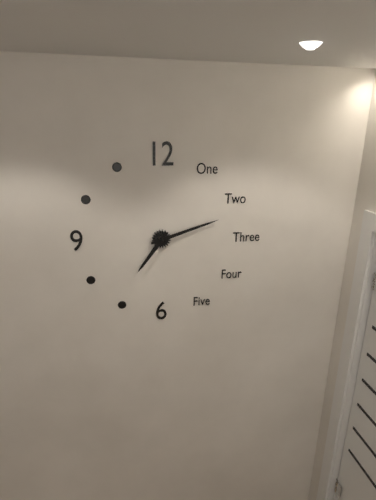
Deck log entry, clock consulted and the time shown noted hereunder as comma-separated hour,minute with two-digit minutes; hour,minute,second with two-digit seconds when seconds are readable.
7,12
